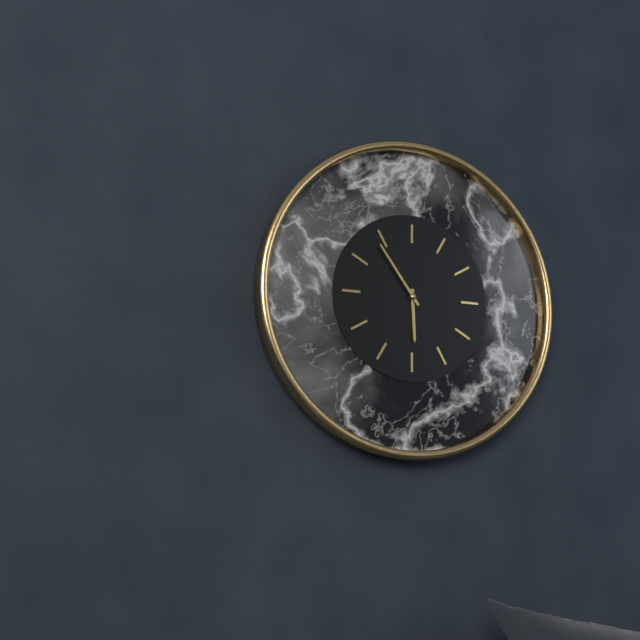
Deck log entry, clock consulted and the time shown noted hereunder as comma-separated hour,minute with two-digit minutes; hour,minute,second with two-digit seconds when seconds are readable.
5,54
